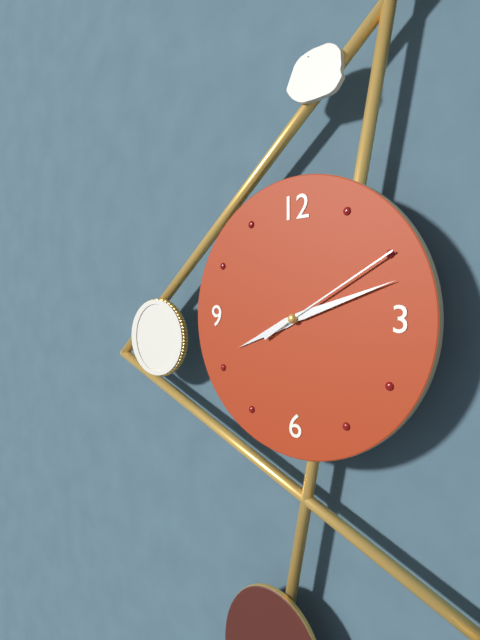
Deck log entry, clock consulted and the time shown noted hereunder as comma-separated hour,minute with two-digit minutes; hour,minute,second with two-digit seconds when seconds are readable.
8,12,10
